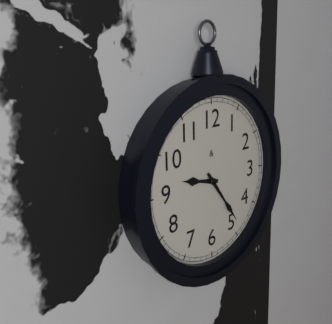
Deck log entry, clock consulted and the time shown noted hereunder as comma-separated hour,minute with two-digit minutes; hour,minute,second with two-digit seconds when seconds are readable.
9,24
